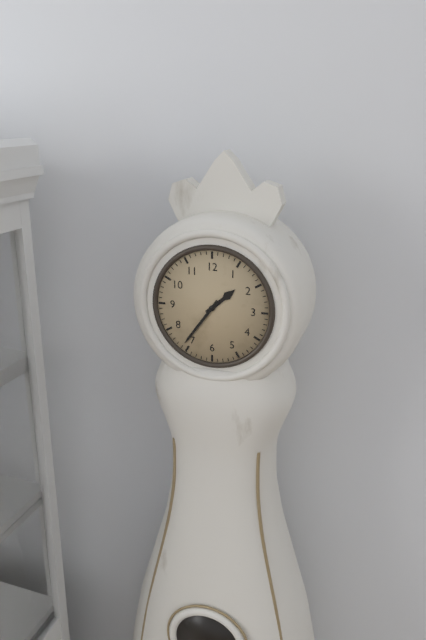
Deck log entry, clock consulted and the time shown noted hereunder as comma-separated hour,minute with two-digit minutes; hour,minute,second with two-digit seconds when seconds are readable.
1,36
